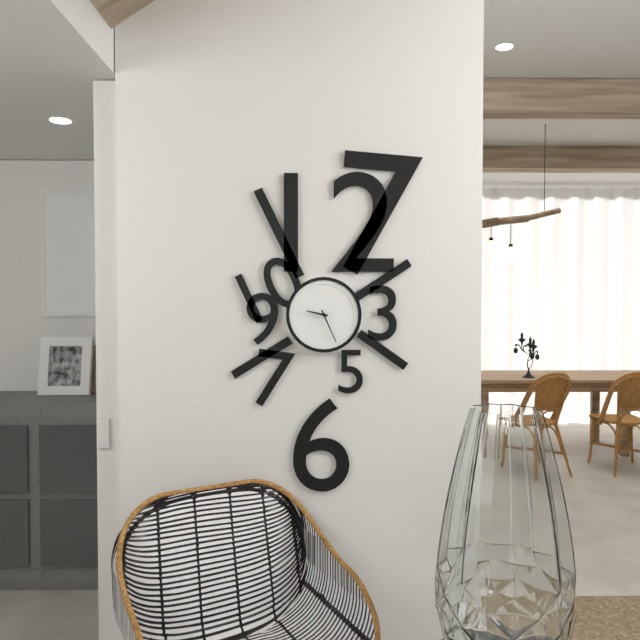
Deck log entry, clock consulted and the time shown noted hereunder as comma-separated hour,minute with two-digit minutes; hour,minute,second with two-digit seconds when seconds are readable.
9,26
